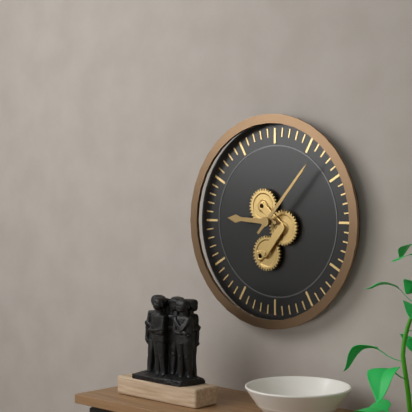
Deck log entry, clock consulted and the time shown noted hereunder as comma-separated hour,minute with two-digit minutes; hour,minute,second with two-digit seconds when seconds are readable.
9,07
